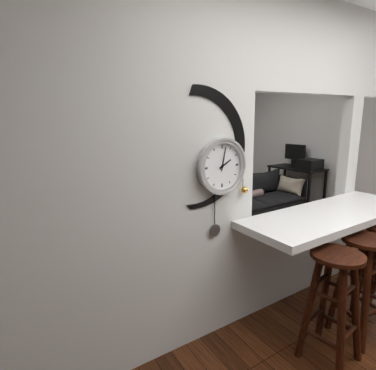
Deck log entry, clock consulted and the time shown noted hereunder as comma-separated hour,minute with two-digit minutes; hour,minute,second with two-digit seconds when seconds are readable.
2,02
